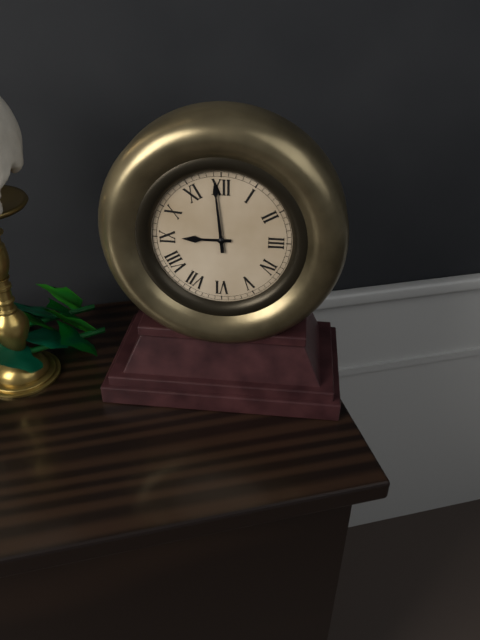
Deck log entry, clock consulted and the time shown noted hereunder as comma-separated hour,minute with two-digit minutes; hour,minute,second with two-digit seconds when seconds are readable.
8,59
